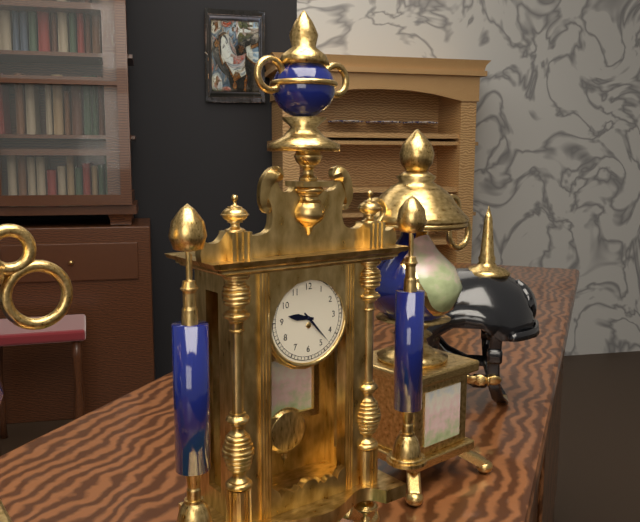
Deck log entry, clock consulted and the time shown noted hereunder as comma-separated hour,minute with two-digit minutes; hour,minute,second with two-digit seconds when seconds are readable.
9,23
